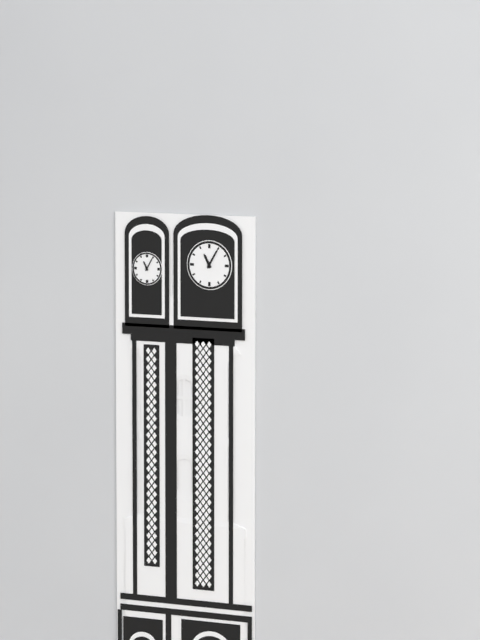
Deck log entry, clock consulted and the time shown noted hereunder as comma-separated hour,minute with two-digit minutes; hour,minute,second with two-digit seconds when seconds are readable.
11,05
